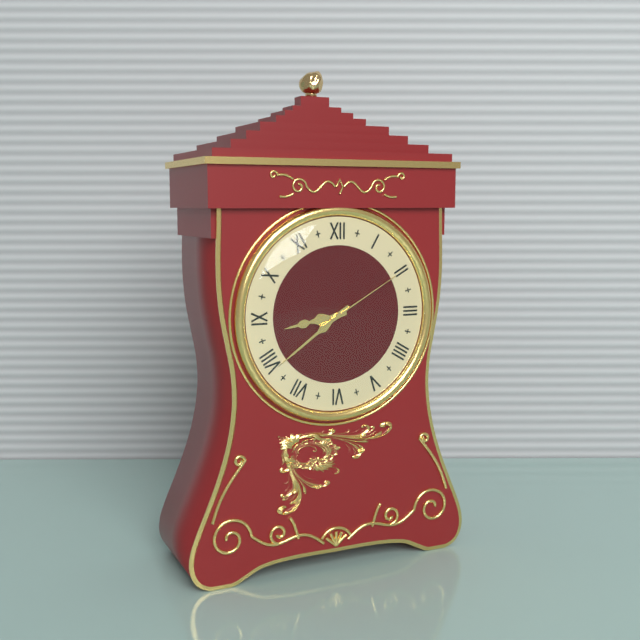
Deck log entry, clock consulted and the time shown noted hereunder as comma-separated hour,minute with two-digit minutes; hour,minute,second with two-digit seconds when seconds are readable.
8,39,10
